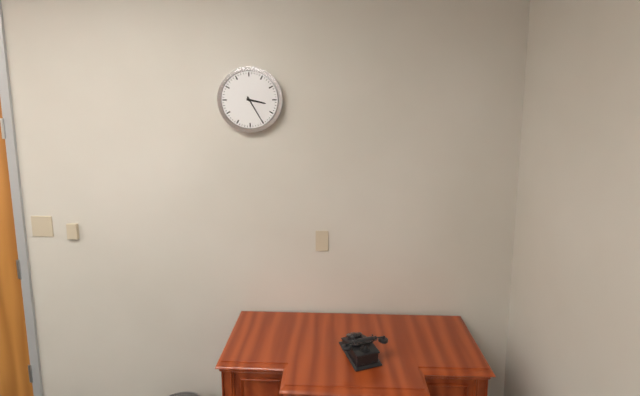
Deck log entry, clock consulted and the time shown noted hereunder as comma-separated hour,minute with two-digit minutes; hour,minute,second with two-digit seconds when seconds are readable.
3,25
